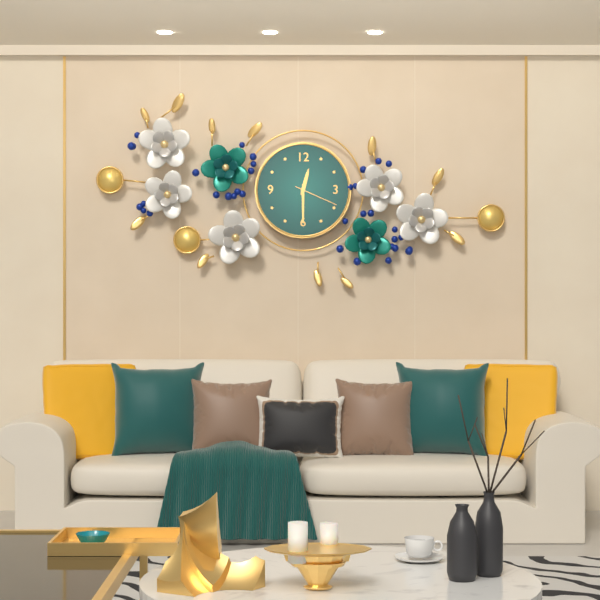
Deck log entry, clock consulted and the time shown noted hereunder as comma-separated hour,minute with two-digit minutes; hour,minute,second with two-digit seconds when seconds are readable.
12,30
